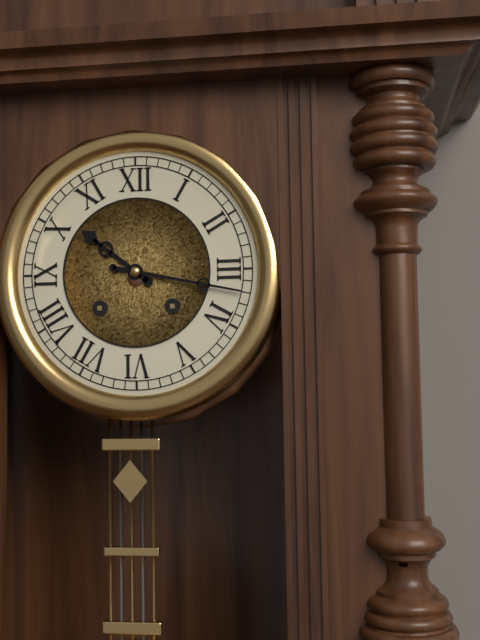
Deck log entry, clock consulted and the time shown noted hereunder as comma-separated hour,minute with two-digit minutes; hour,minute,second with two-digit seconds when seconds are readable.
10,17
